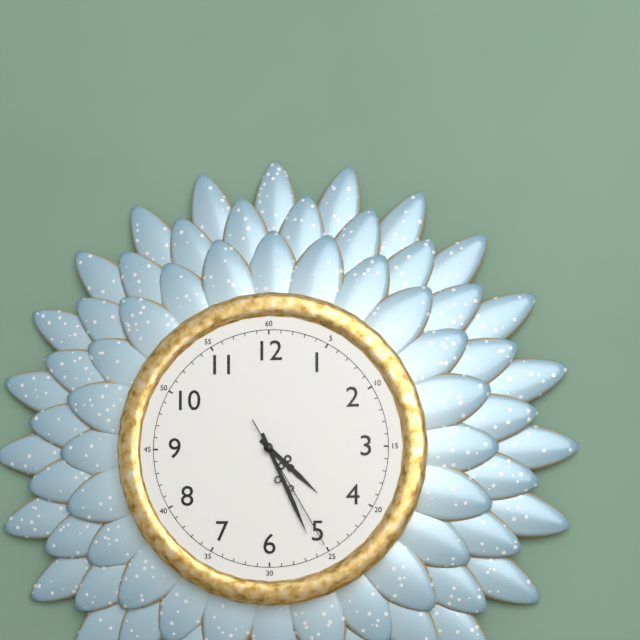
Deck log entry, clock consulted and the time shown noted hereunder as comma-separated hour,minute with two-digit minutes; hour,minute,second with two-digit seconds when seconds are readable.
4,26,25
